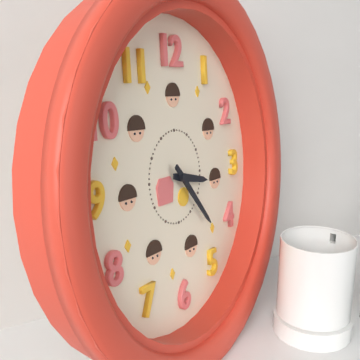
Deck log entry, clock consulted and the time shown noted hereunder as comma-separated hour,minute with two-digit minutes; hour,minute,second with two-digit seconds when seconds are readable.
3,23
